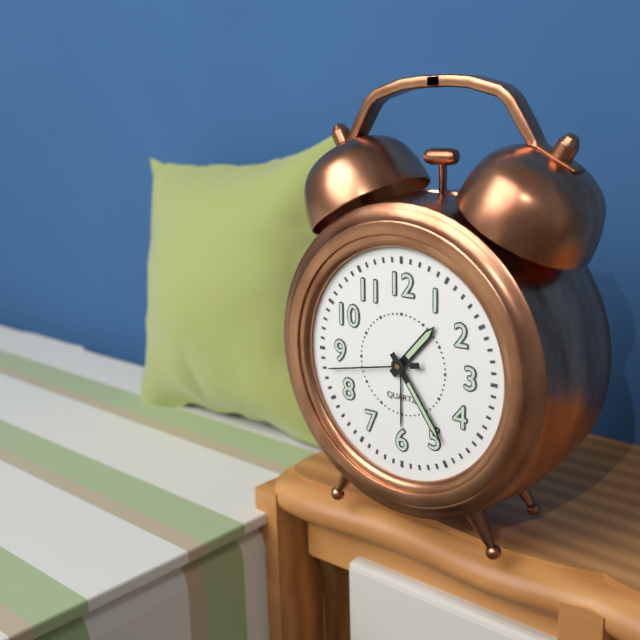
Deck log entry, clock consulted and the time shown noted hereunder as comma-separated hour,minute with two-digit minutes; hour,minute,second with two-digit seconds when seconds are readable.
1,24,43
